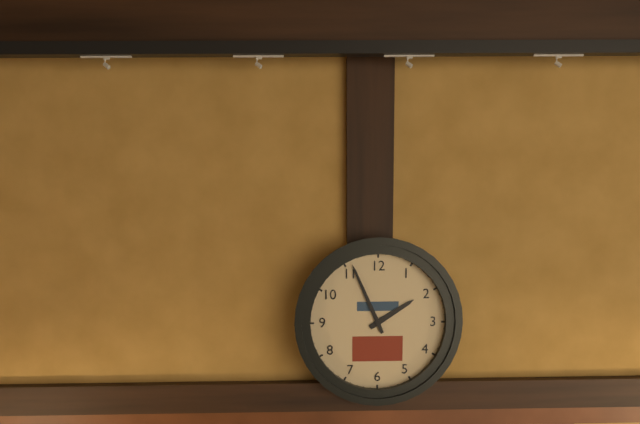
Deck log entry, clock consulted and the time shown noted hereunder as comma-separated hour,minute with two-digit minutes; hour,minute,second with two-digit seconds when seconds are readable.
1,56
